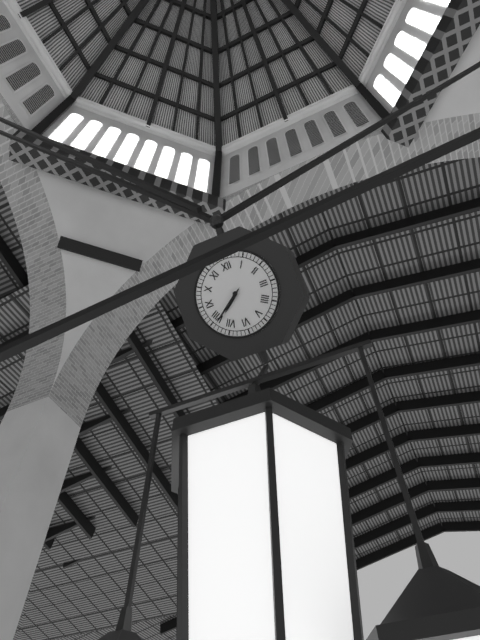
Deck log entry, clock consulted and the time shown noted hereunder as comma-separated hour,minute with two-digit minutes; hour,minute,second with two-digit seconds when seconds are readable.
7,39
